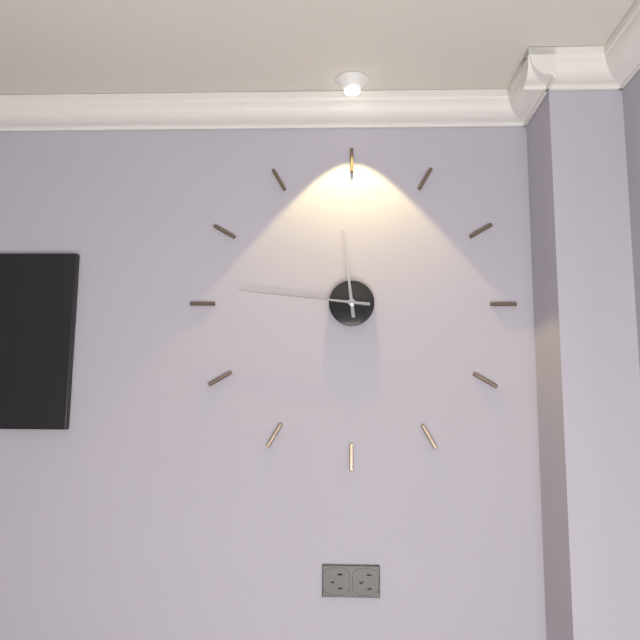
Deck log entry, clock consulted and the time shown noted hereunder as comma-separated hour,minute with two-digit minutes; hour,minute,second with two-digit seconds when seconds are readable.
11,46
